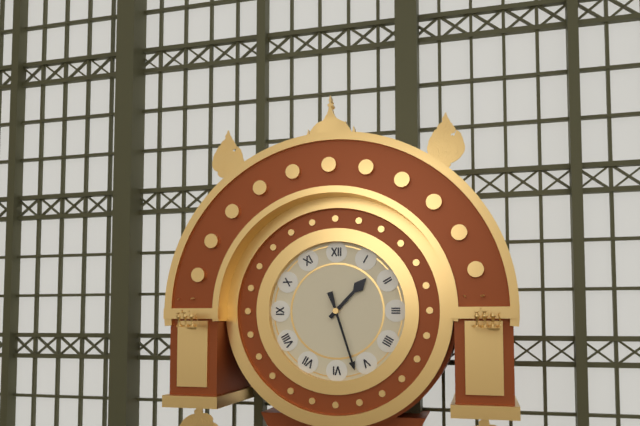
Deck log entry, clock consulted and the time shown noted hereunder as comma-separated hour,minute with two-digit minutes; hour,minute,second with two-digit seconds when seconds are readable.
1,27
